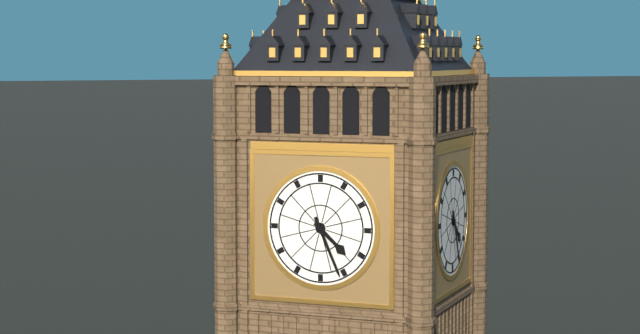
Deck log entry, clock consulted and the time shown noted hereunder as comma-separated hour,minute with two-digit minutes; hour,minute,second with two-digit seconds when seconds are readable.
4,26
